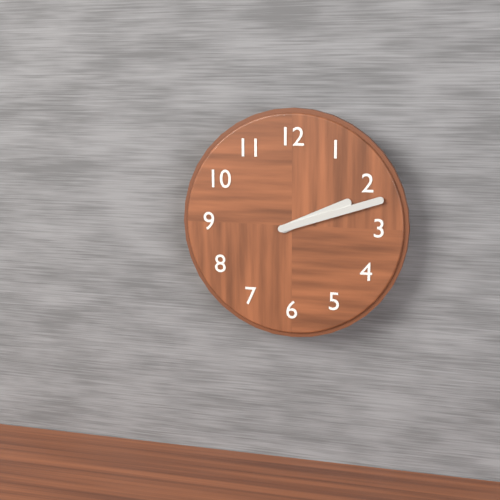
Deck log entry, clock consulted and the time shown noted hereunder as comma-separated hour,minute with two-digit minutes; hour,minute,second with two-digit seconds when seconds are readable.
2,12
